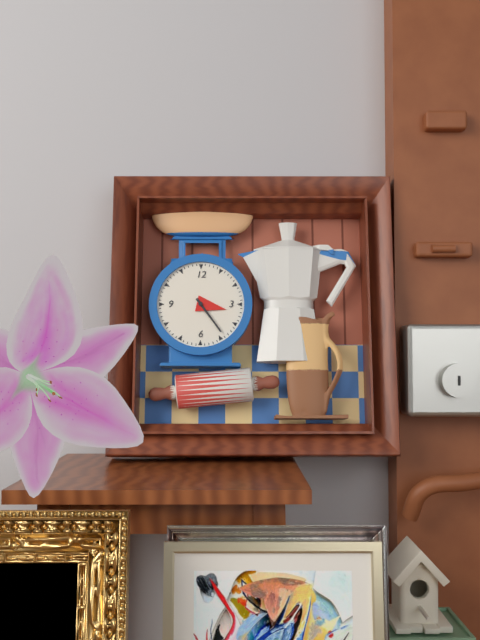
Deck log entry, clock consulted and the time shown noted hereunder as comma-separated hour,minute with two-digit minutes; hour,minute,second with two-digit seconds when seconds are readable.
3,24
